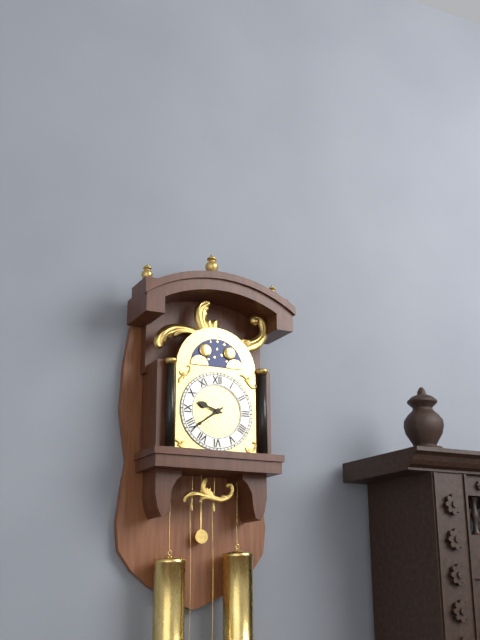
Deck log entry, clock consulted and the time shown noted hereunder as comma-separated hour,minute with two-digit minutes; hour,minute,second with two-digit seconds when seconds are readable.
9,39
